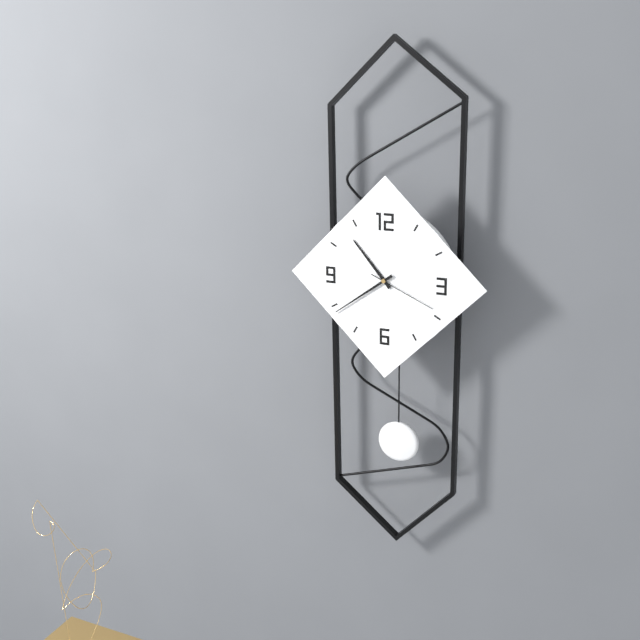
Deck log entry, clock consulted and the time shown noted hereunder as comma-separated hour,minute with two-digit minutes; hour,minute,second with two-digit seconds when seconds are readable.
10,39,19
